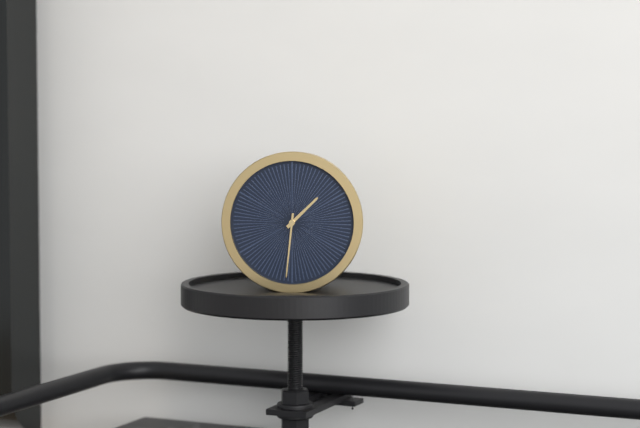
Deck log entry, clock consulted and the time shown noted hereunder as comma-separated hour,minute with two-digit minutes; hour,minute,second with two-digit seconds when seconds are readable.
1,31
